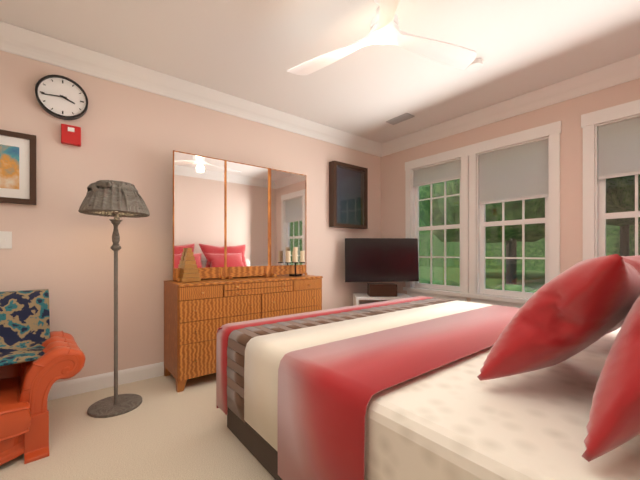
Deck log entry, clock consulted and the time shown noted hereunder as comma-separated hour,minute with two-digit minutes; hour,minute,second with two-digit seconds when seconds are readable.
3,44
